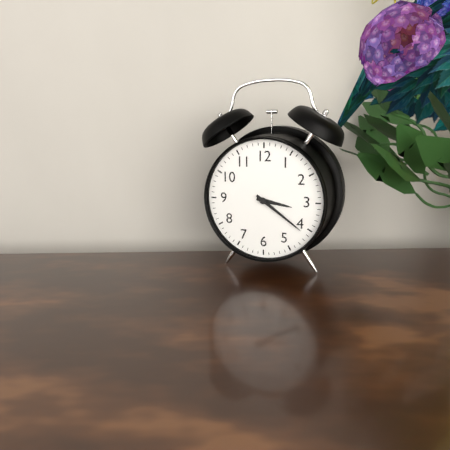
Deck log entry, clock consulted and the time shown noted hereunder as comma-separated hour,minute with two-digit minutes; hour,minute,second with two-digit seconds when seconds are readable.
3,21
